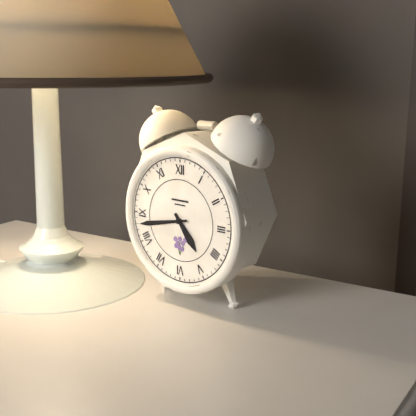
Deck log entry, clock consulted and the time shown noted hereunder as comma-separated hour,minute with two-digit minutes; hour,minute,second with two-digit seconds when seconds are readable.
4,43
